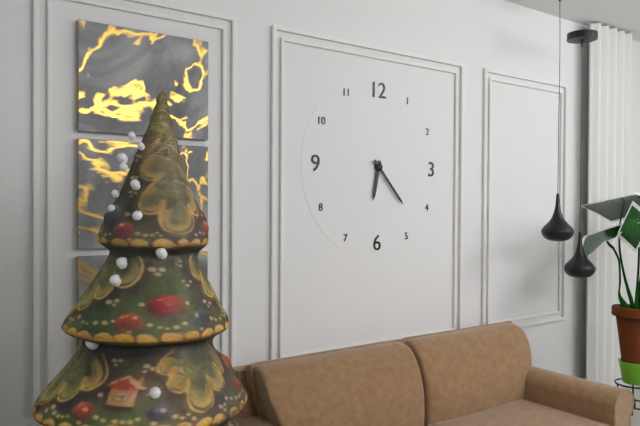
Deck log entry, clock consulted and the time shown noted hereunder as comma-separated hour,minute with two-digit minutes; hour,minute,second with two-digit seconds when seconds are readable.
6,23
